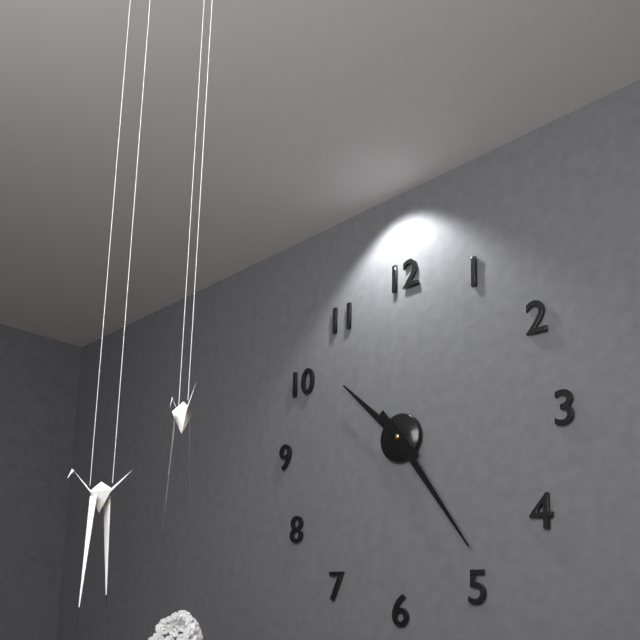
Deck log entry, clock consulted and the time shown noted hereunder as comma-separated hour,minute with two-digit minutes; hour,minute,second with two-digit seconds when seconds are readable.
10,24
